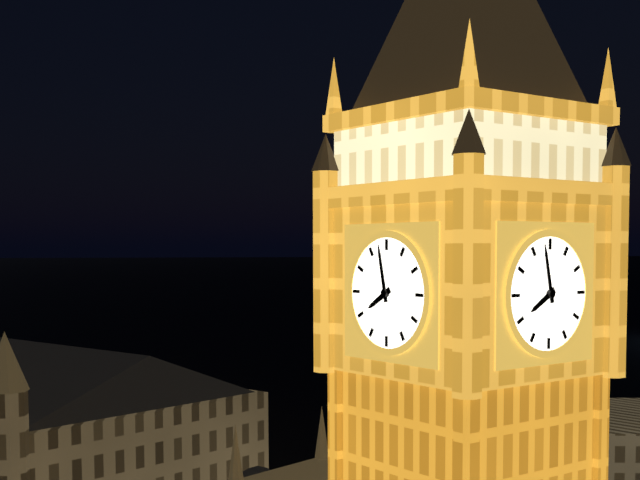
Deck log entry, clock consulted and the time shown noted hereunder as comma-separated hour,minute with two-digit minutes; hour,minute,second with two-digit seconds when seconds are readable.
7,58
